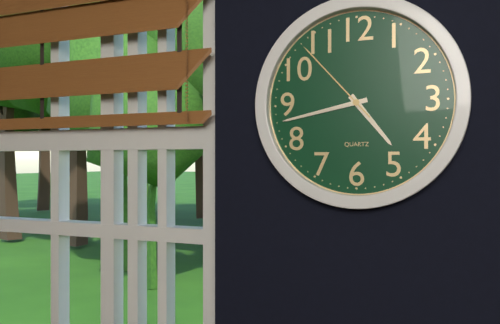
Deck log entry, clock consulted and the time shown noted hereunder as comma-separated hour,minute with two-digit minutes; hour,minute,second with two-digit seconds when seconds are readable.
4,43,53
